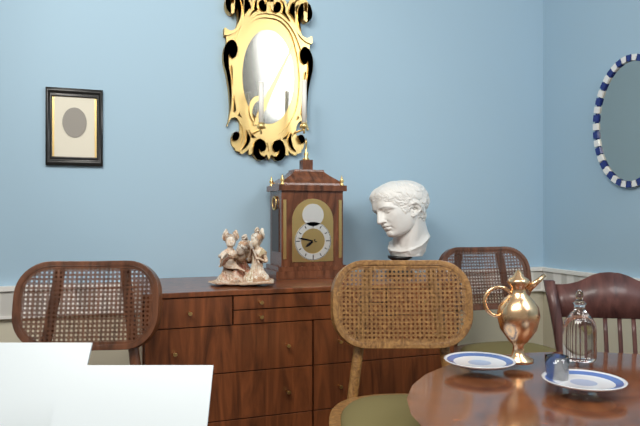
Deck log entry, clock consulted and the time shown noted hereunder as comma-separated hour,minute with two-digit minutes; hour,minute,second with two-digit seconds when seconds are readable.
7,47
